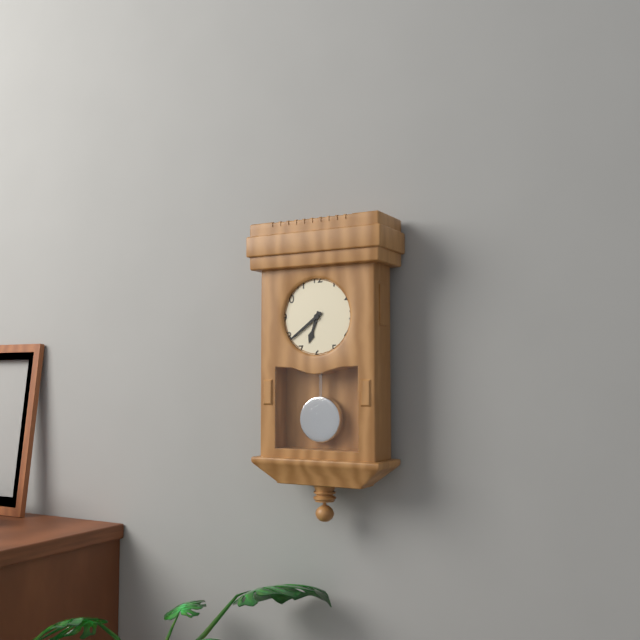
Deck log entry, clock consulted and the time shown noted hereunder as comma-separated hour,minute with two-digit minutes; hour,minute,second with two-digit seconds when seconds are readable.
6,39
